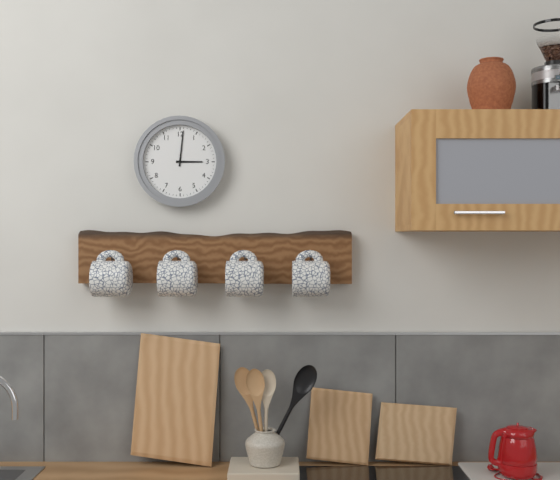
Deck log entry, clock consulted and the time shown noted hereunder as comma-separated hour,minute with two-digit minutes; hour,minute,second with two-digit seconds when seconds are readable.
3,01
